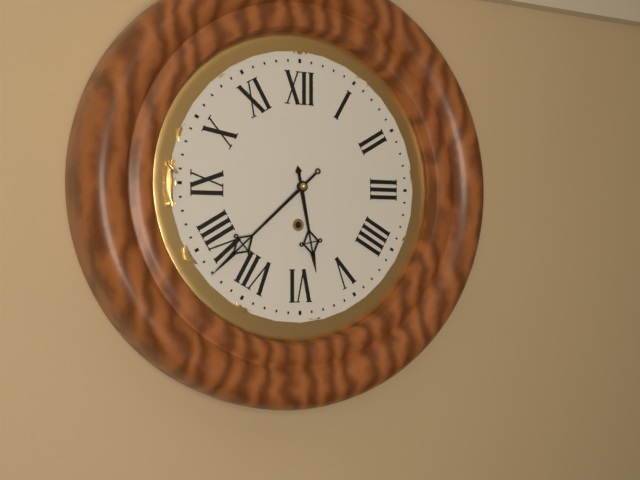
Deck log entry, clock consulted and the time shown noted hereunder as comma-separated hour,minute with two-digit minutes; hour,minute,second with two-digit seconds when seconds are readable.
5,38
